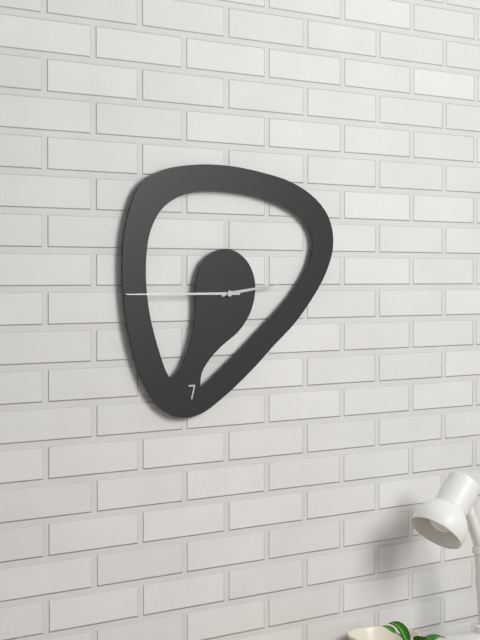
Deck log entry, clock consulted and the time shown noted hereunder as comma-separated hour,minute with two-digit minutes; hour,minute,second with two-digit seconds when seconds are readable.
2,45
